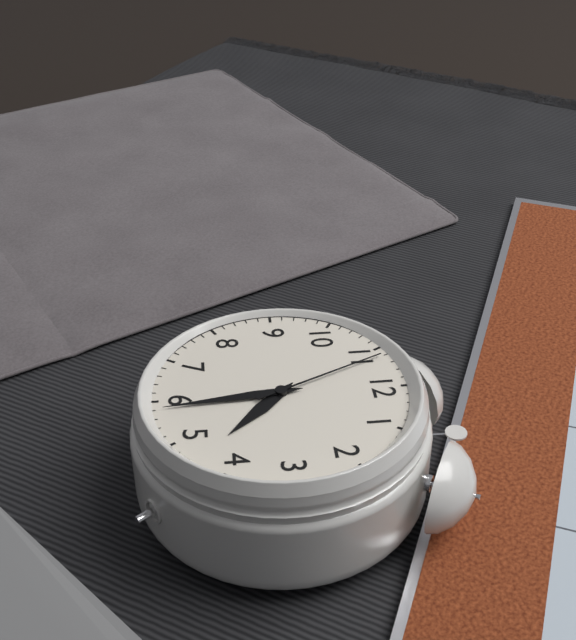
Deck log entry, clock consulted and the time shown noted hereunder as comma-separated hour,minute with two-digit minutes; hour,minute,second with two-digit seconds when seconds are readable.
4,29,56
